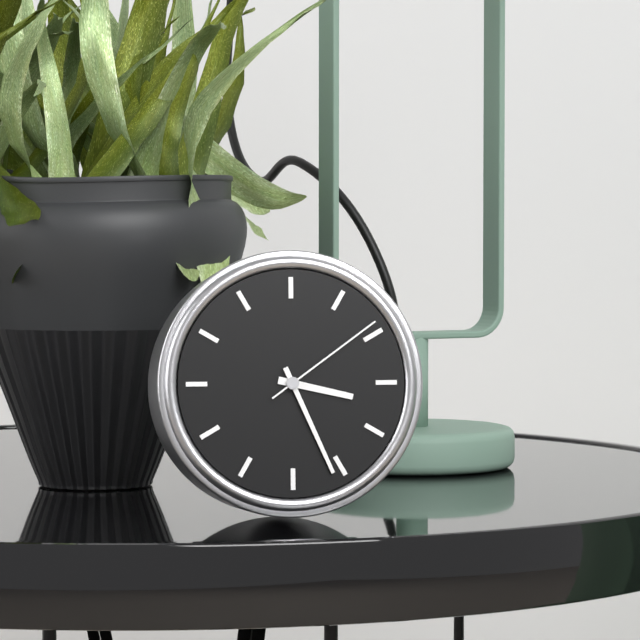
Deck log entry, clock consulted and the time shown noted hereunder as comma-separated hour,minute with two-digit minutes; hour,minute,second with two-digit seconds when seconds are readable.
3,26,09
